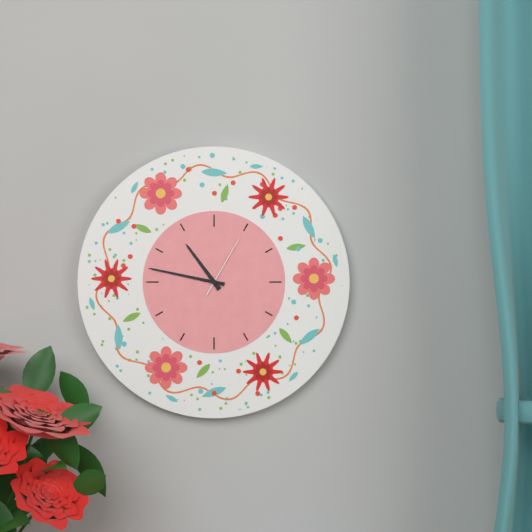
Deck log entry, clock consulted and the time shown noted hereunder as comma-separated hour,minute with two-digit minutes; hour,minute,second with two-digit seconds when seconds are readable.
10,47,05
